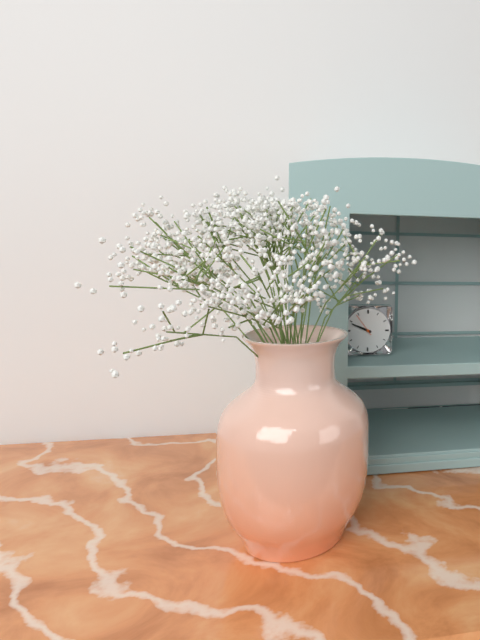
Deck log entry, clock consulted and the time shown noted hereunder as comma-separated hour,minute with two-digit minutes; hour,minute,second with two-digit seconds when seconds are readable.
9,49
